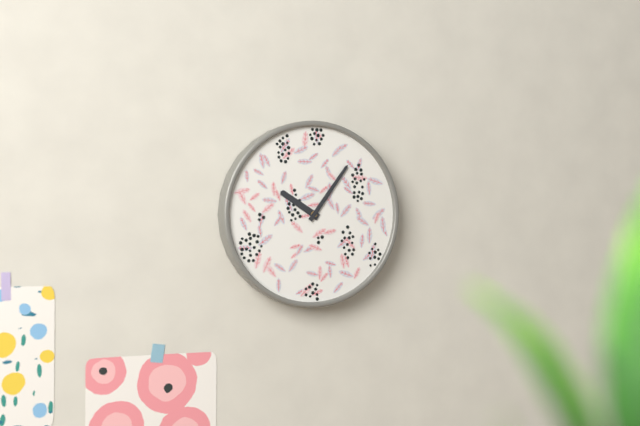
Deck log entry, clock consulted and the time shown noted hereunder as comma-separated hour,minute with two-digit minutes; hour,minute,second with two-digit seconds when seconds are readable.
10,06
